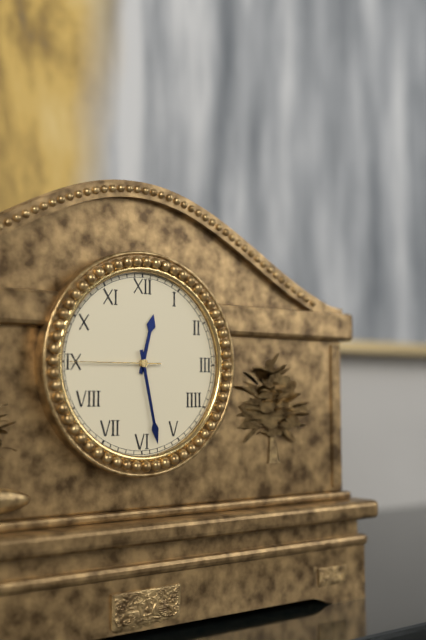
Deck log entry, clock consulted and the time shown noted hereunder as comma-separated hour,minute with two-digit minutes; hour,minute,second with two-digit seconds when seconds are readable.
12,28,45
